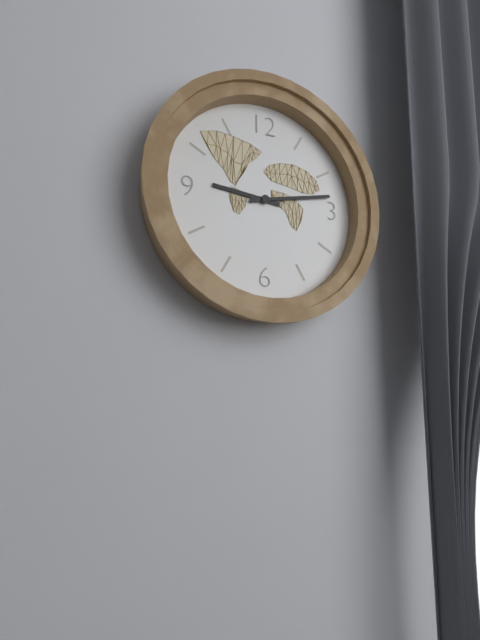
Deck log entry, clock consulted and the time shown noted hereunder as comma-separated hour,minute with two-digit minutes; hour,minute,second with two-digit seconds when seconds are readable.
9,13
